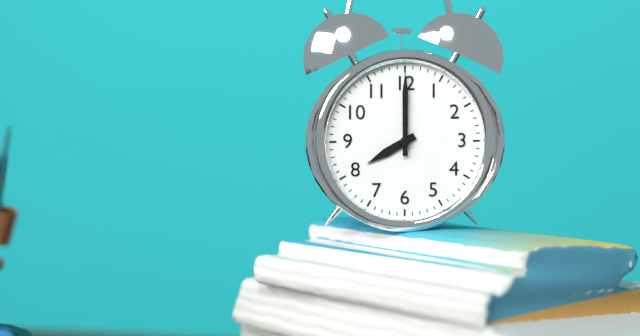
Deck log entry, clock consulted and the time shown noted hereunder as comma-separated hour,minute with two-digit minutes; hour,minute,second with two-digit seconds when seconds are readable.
8,00
